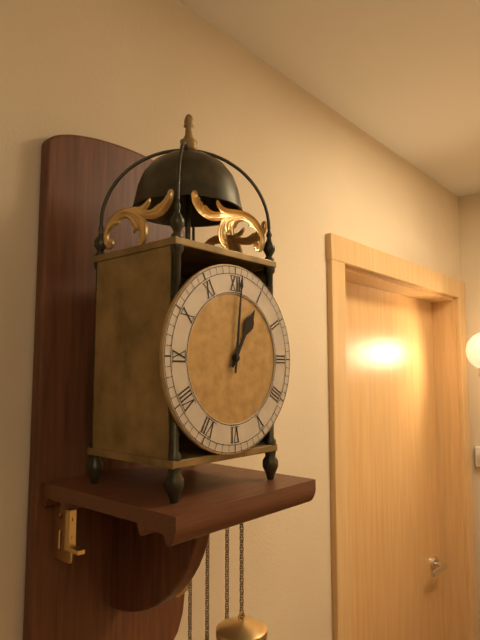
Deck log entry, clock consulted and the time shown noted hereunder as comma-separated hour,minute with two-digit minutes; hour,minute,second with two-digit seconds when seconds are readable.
1,01
